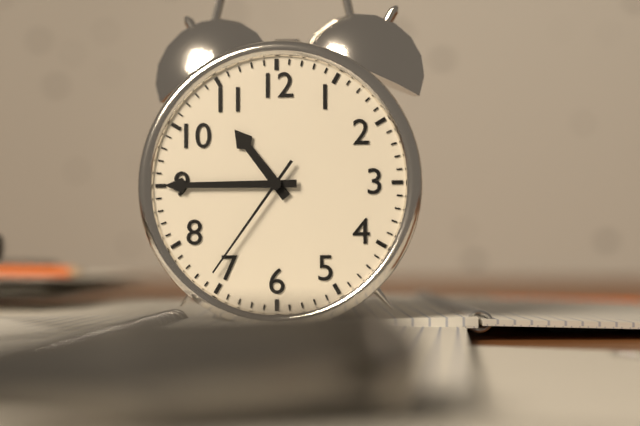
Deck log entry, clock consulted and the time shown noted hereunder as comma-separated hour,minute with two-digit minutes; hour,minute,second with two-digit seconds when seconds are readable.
10,45,36
